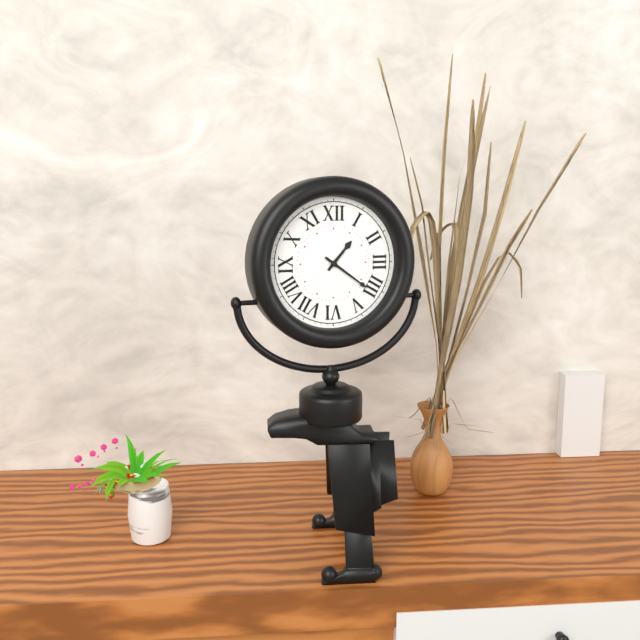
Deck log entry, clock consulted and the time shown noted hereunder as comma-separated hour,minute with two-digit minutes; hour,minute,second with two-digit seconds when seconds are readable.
1,21
